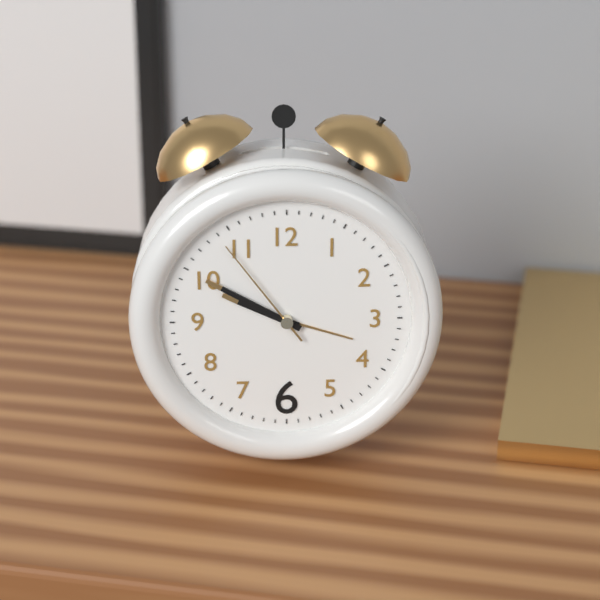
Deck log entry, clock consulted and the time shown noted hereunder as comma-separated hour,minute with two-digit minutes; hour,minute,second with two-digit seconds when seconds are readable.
9,50,54
